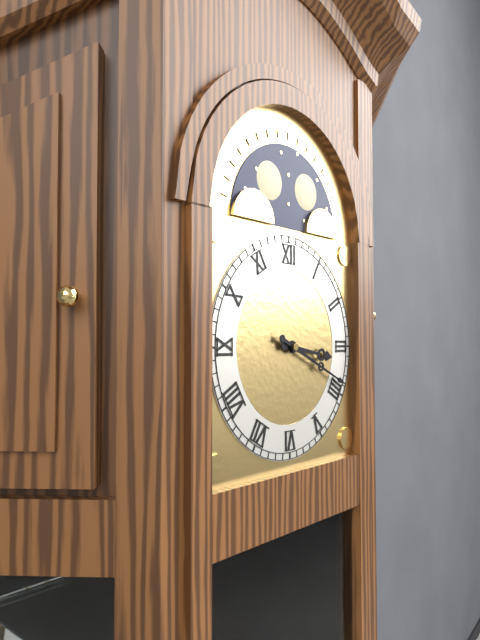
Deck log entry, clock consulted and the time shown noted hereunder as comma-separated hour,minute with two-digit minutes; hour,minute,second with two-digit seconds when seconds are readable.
3,19
